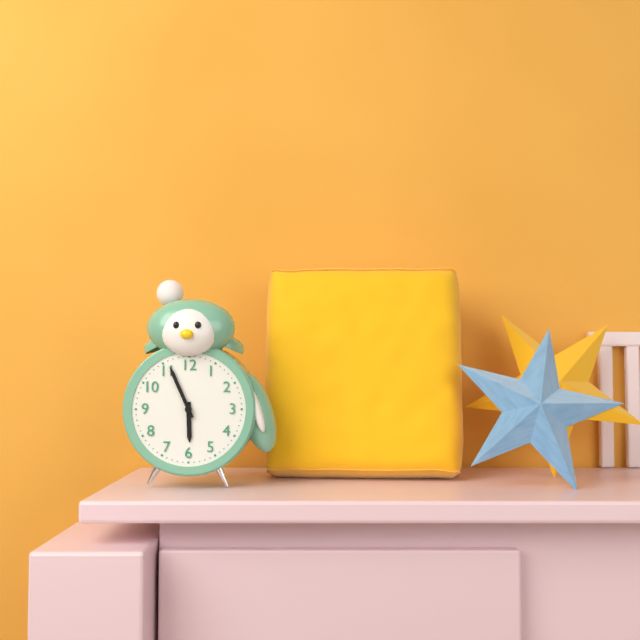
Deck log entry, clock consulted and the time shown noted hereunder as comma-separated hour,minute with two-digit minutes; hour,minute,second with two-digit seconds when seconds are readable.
5,56
